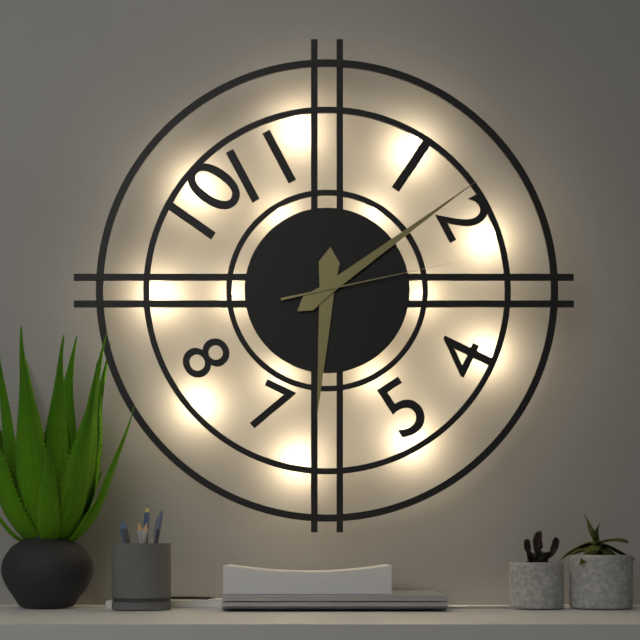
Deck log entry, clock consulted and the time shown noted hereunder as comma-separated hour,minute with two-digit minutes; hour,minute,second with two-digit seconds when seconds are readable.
6,09,13
